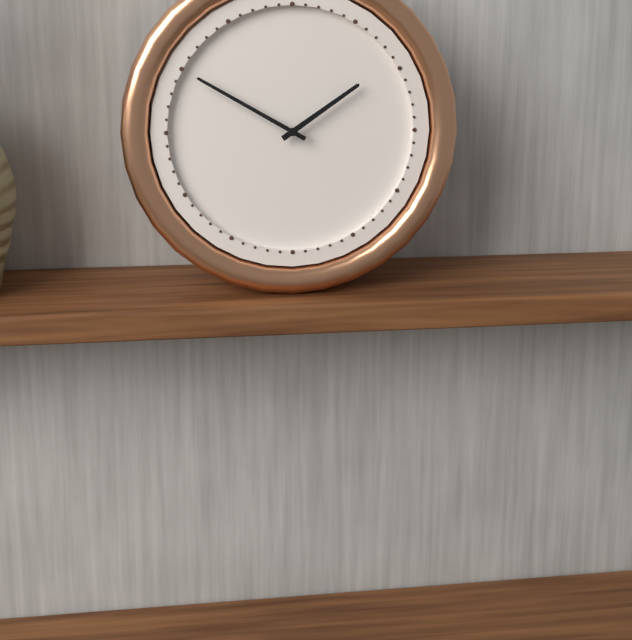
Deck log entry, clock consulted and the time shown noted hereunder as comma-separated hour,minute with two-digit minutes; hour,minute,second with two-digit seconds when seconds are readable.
1,50
